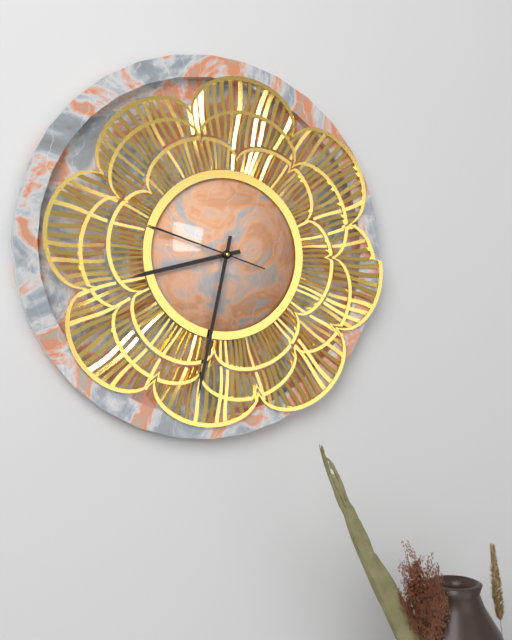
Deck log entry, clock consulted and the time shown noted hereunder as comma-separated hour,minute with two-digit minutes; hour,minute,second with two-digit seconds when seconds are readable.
8,32,48
